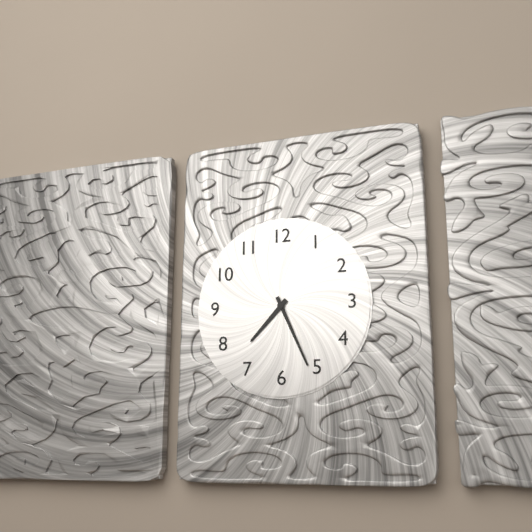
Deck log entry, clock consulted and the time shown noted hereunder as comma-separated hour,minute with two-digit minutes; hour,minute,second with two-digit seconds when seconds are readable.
7,26
